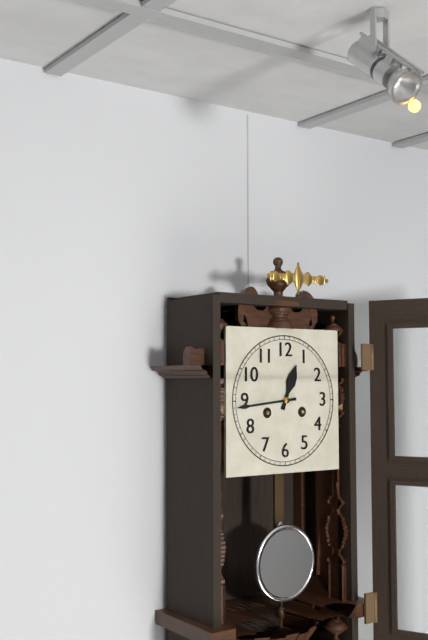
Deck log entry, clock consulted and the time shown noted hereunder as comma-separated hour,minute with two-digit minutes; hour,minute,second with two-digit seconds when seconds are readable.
12,44
